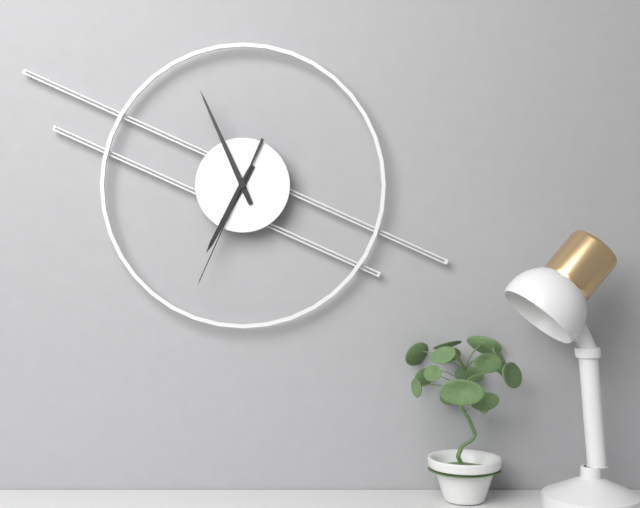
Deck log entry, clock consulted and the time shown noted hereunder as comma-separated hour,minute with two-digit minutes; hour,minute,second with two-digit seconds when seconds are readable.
6,56,34
